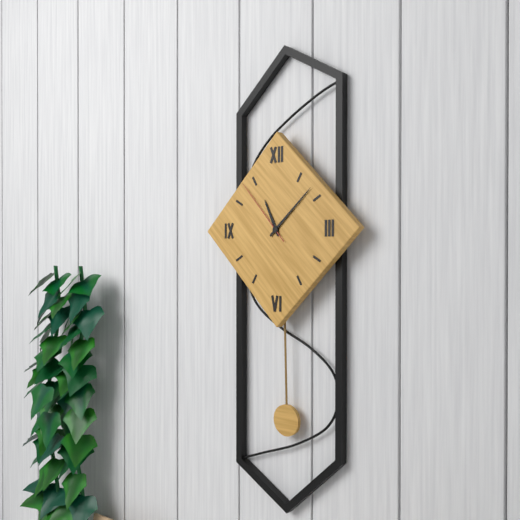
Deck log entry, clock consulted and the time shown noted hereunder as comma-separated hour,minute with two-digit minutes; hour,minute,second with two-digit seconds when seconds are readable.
11,08,53
